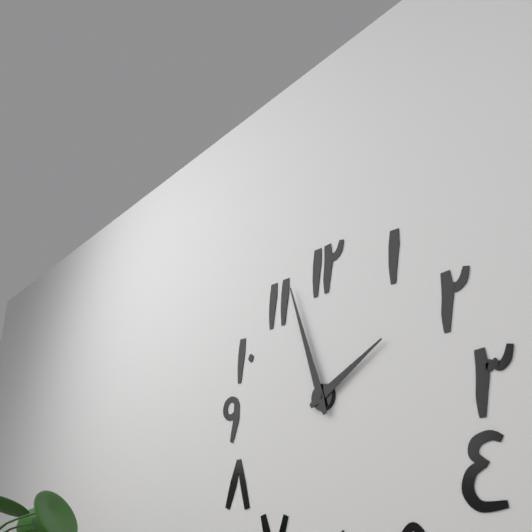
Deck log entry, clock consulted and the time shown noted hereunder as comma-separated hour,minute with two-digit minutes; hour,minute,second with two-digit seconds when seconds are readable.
1,57
